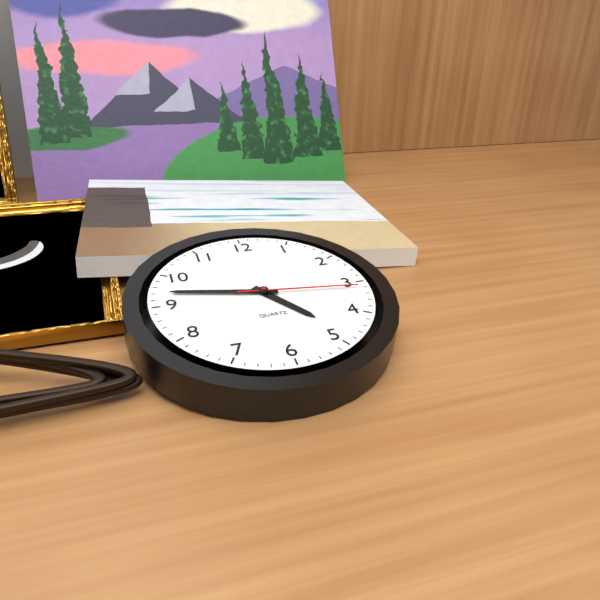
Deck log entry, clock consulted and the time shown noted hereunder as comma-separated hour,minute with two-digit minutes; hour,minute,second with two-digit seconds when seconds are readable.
4,47,16
